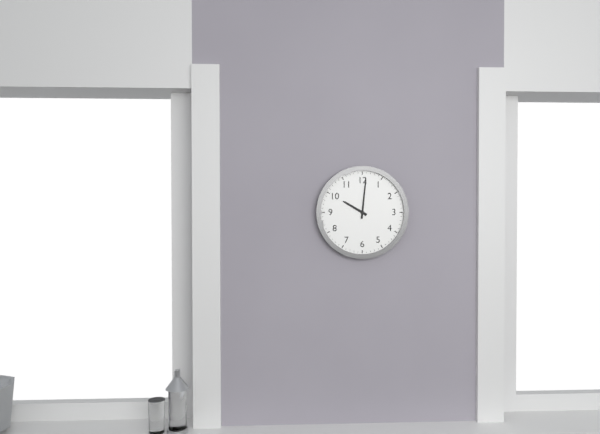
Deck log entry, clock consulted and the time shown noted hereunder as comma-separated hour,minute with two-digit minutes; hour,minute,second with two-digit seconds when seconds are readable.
10,01
